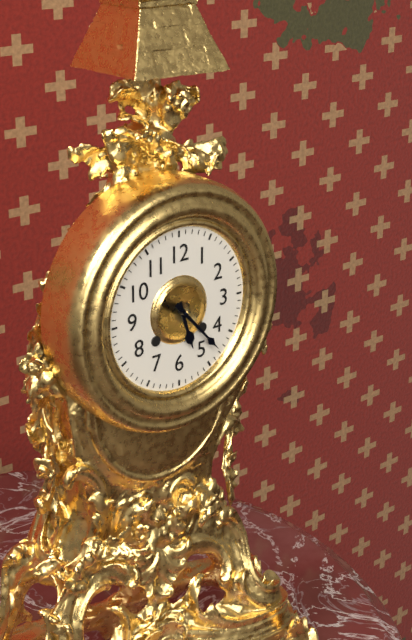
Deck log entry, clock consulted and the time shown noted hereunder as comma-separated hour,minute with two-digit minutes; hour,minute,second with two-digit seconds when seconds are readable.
5,23
